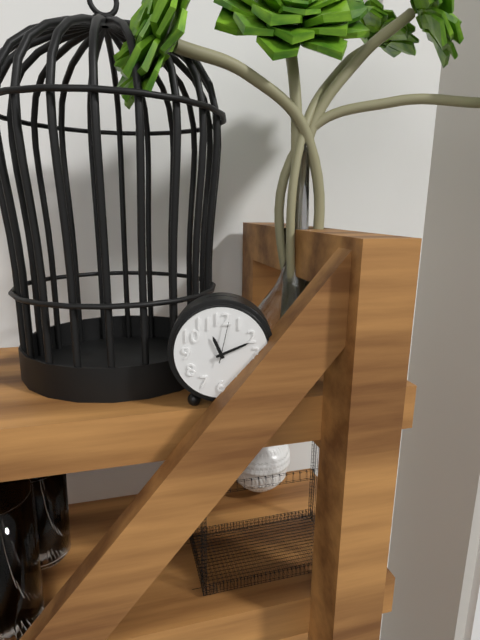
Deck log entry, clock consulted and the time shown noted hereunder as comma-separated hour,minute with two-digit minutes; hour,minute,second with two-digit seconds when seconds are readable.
11,11
